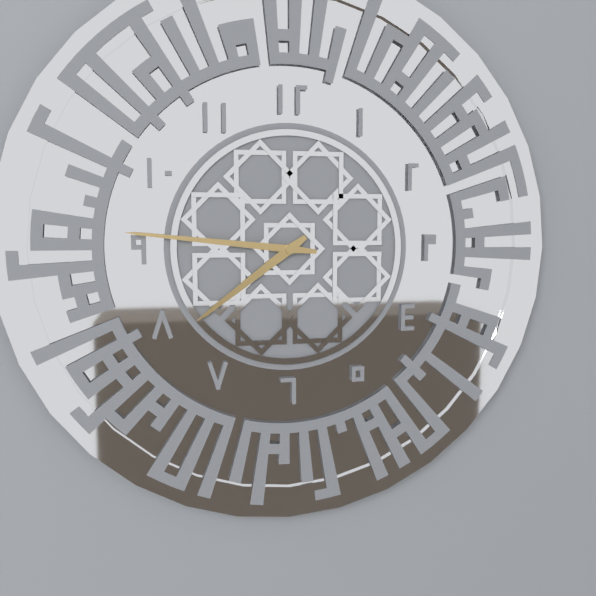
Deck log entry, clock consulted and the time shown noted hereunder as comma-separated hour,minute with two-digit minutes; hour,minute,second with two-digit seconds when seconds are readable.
7,46
